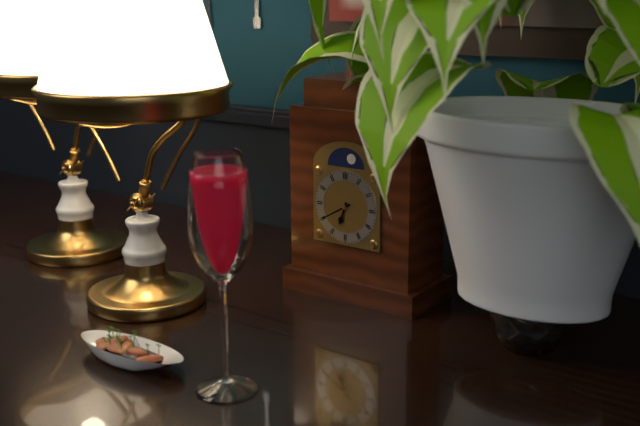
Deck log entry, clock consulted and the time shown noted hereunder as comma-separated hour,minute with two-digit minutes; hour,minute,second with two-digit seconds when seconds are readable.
6,40
